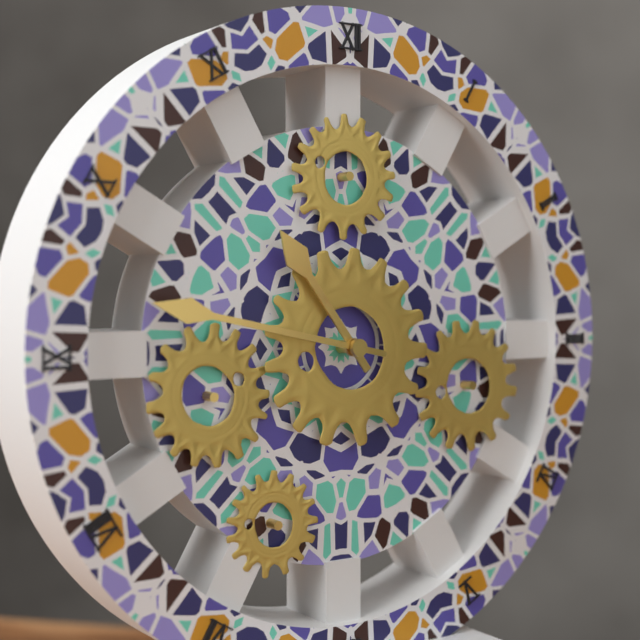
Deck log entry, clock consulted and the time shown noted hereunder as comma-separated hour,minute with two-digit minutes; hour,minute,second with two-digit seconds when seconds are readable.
10,47
